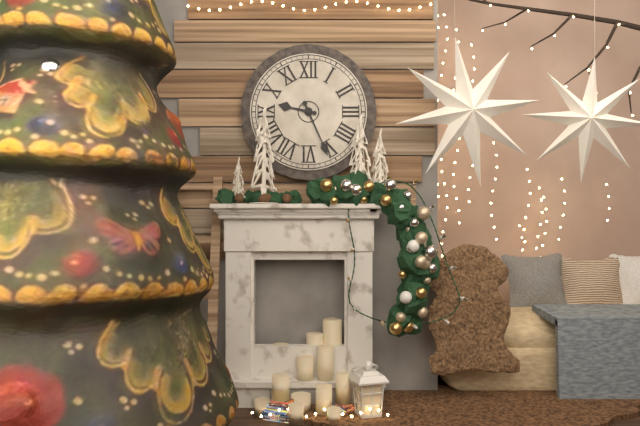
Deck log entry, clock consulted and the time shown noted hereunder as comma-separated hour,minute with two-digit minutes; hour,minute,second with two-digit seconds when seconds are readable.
9,26
